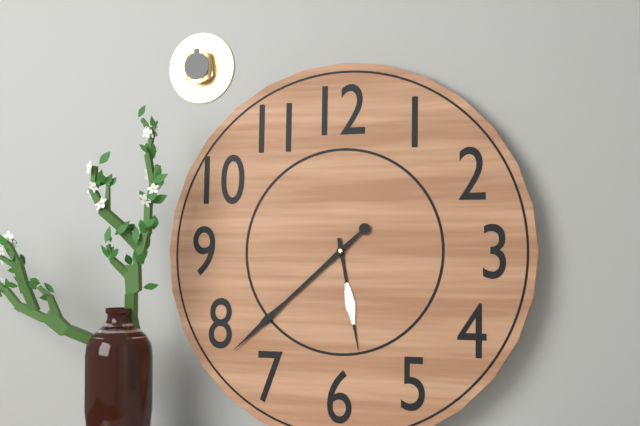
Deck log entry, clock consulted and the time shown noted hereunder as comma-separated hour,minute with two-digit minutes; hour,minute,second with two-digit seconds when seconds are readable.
5,38
